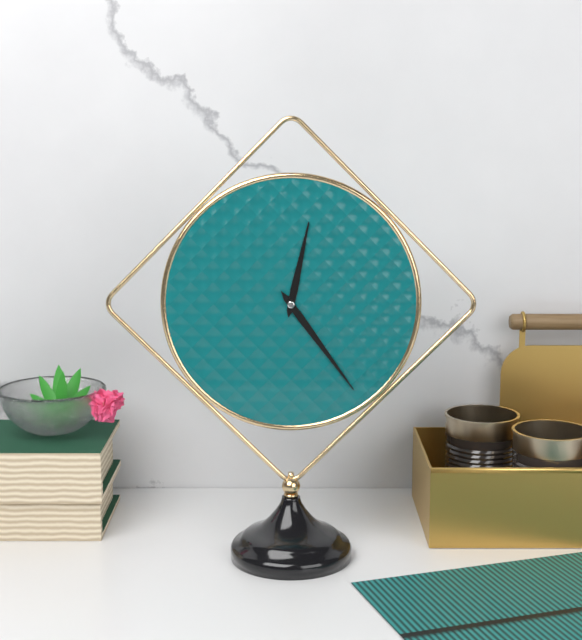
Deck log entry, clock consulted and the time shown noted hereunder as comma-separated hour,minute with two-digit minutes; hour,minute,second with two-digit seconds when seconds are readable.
12,24
